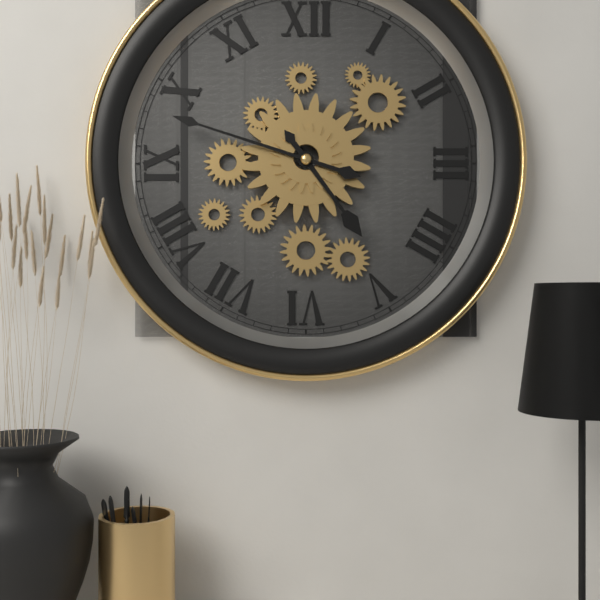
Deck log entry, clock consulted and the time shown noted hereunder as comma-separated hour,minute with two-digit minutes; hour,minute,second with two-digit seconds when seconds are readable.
4,48
